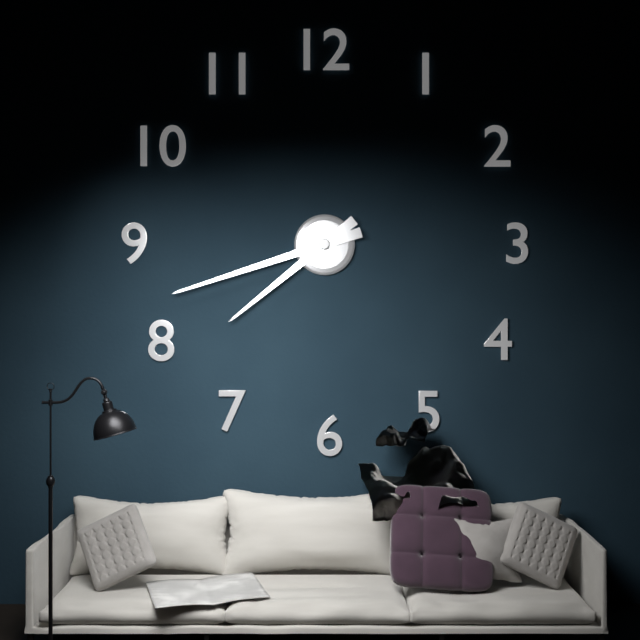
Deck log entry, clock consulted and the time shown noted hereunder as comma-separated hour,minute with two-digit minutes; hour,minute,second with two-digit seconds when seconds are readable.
7,42
